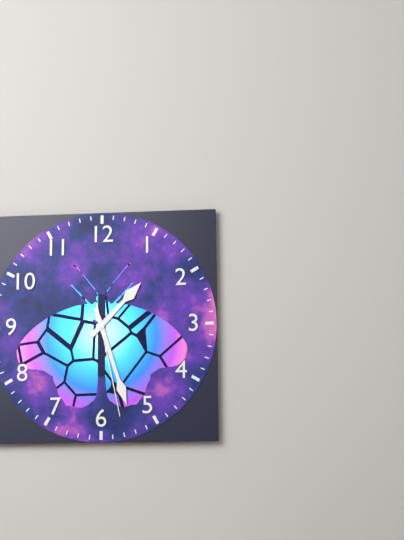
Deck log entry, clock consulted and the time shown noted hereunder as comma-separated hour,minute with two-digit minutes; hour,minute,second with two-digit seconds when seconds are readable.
1,27,28
